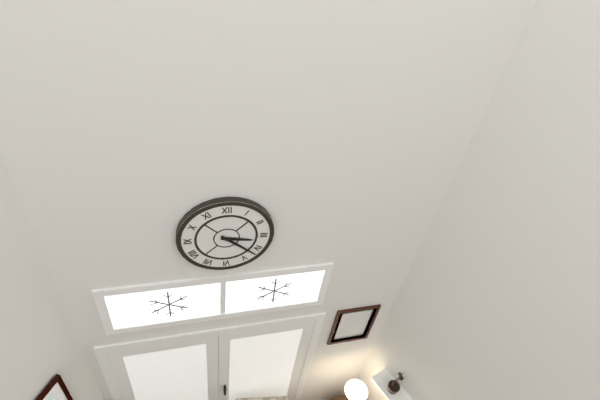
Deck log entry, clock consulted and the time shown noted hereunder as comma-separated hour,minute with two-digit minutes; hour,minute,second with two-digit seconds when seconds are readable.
3,22
